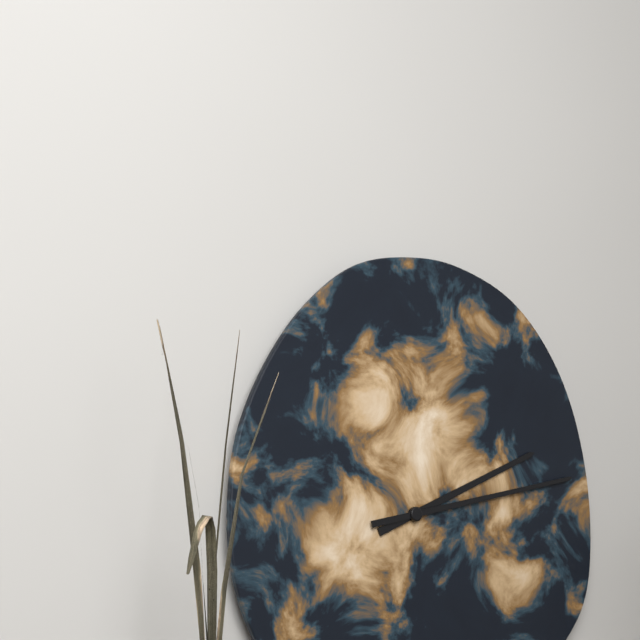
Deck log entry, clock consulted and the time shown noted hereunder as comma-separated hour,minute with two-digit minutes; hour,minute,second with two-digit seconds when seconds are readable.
2,13
